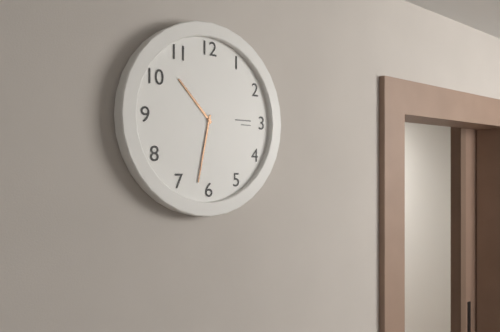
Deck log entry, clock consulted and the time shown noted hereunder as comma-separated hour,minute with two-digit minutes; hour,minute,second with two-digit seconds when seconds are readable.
10,32
